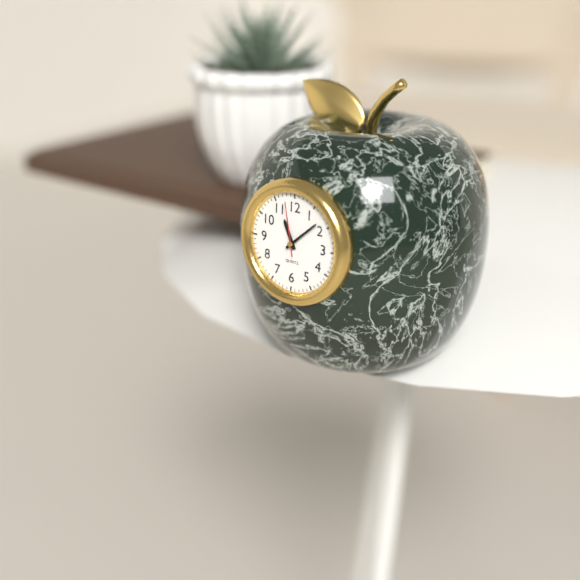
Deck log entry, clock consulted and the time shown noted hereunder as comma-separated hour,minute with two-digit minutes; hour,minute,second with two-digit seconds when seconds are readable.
11,08,58
